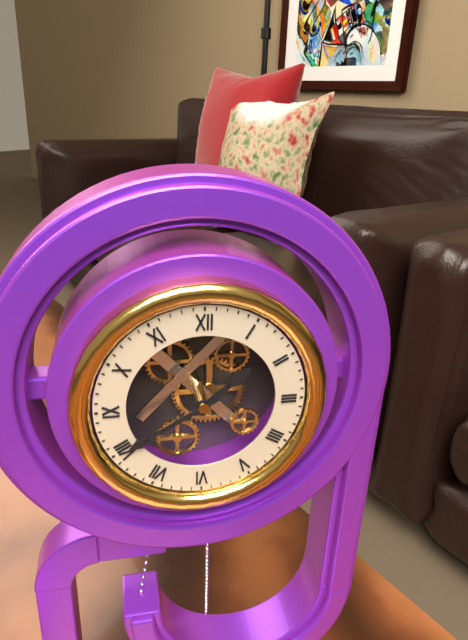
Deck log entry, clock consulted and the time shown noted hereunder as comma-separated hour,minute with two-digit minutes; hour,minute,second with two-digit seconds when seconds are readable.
1,40
